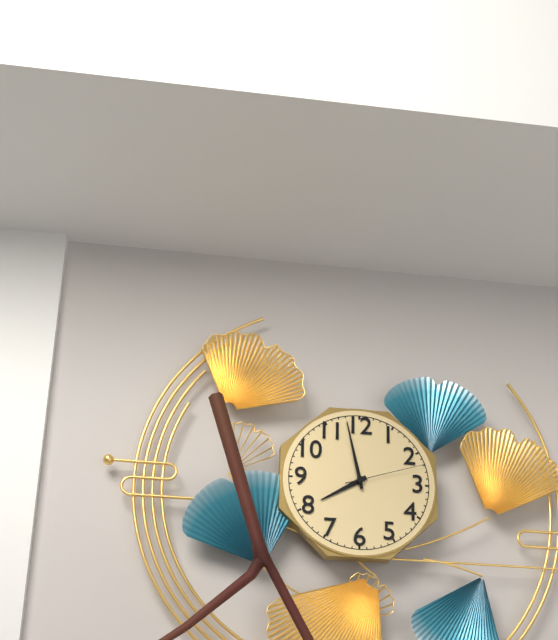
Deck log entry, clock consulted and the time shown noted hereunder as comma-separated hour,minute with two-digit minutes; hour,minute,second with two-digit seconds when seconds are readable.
7,58,12
